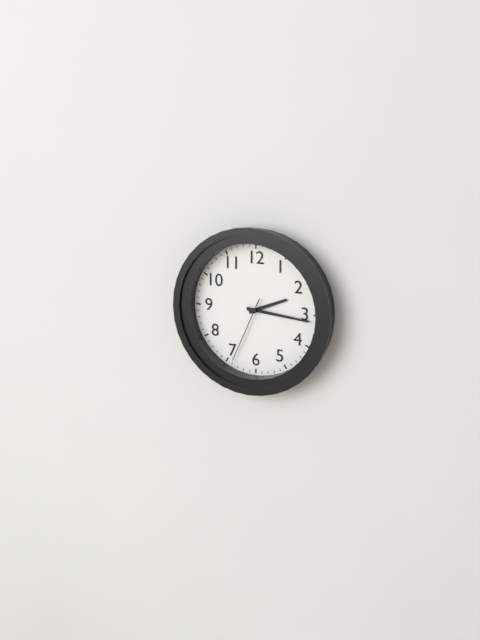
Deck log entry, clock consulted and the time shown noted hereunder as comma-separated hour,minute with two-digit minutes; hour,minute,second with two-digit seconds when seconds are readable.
2,16,34
